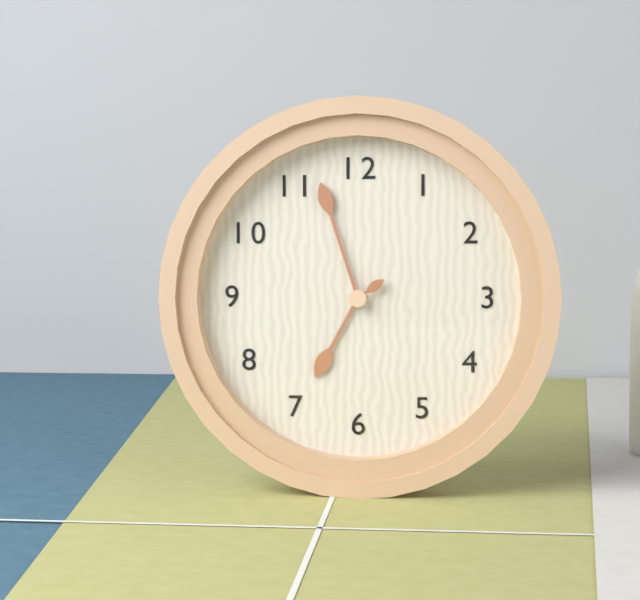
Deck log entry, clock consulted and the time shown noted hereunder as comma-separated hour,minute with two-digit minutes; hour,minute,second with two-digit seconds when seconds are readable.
6,57
